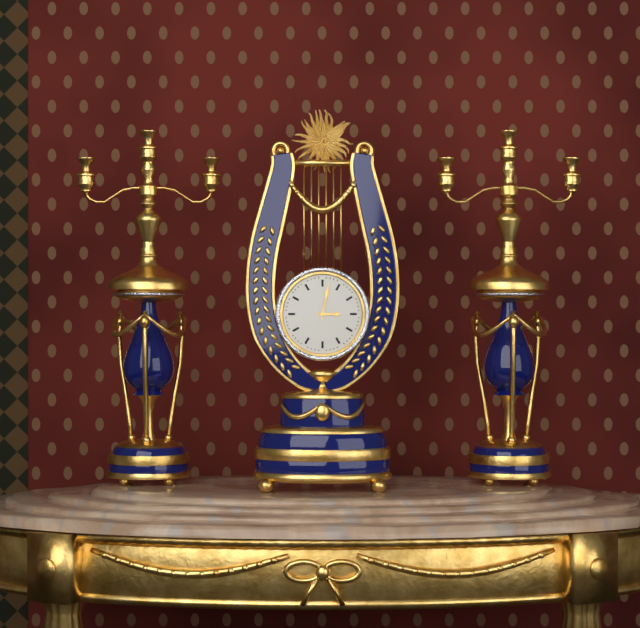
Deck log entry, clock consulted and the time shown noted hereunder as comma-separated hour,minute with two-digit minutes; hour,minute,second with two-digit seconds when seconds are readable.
3,02
